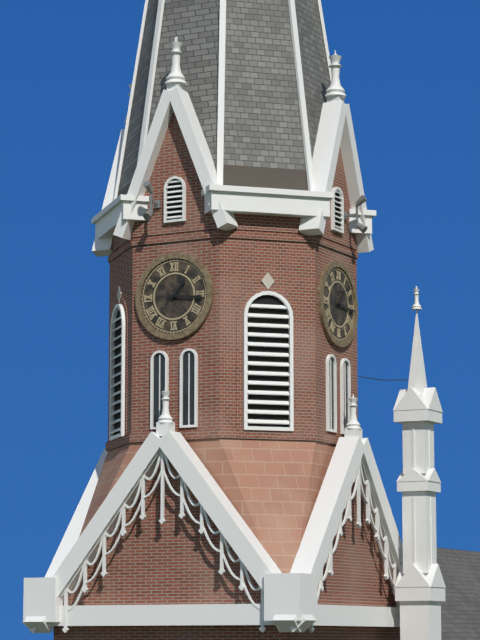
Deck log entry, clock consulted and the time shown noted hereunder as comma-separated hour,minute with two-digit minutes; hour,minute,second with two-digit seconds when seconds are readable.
1,16
